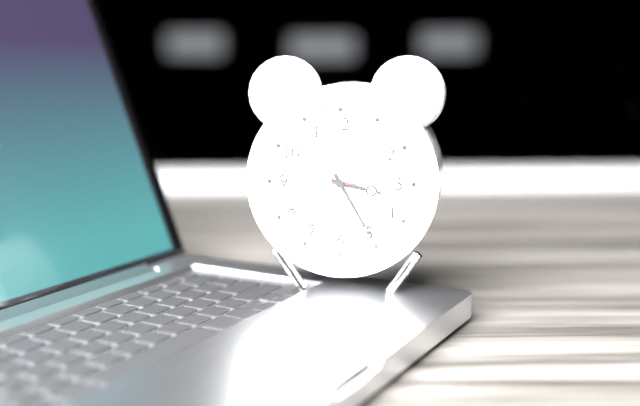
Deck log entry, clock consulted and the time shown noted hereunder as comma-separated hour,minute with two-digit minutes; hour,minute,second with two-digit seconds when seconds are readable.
3,25,45
